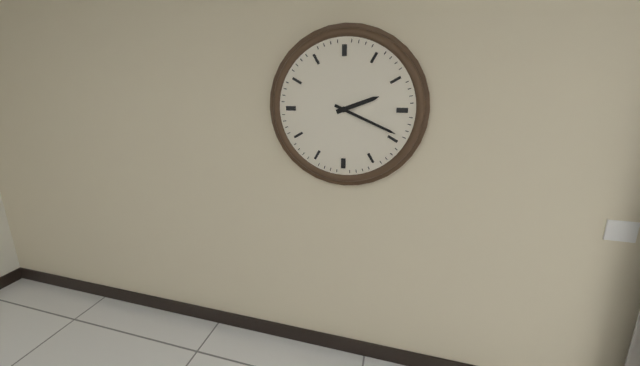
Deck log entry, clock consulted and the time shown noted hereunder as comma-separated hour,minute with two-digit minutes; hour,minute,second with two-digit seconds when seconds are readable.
2,19
